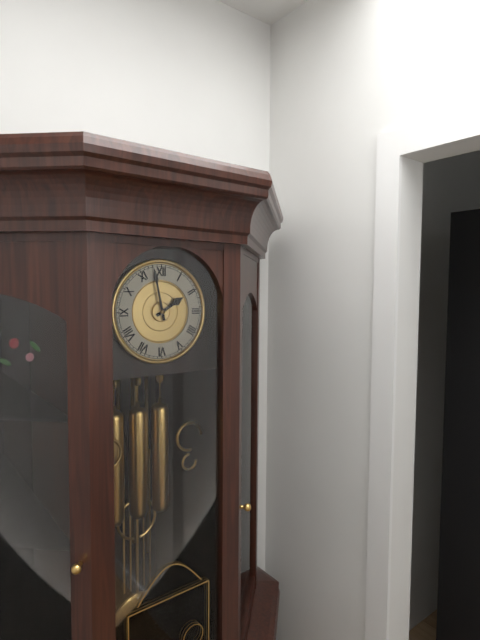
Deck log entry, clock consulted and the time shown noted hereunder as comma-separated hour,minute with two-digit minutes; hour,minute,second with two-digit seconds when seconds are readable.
1,58
